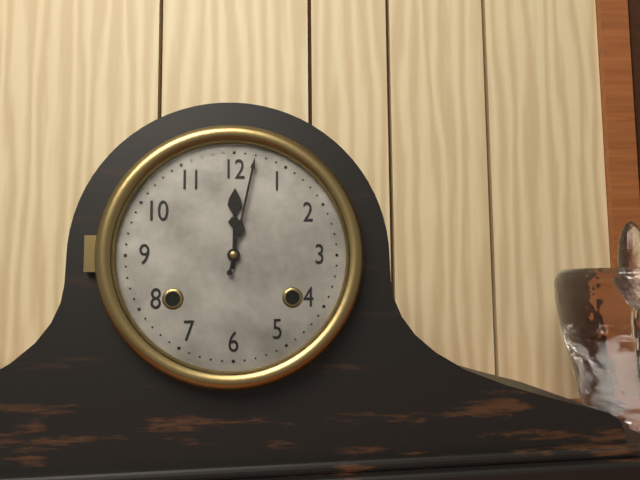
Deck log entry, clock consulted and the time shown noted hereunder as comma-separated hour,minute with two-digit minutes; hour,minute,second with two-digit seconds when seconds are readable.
12,02
